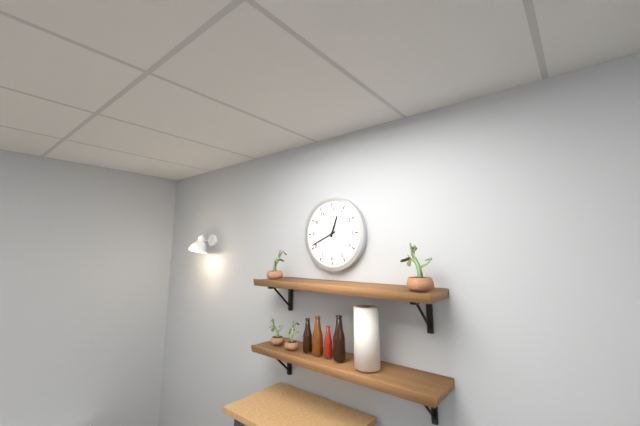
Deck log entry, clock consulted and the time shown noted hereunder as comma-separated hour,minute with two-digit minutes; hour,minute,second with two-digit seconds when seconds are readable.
12,41
